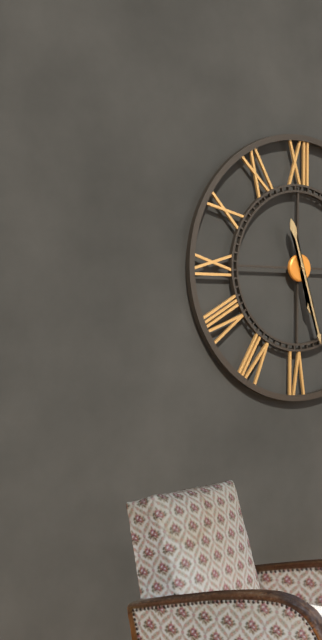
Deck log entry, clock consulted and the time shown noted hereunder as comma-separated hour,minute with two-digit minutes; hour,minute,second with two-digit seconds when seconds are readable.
5,27
